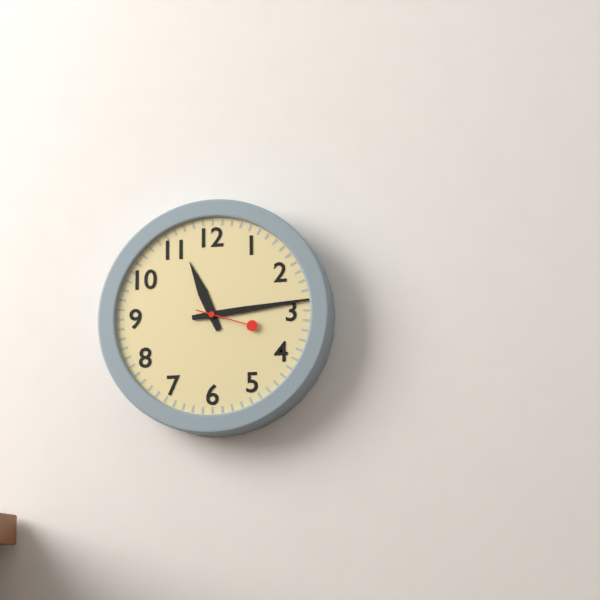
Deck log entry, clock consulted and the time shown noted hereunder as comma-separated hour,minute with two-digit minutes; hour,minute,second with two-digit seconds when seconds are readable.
11,14,18
